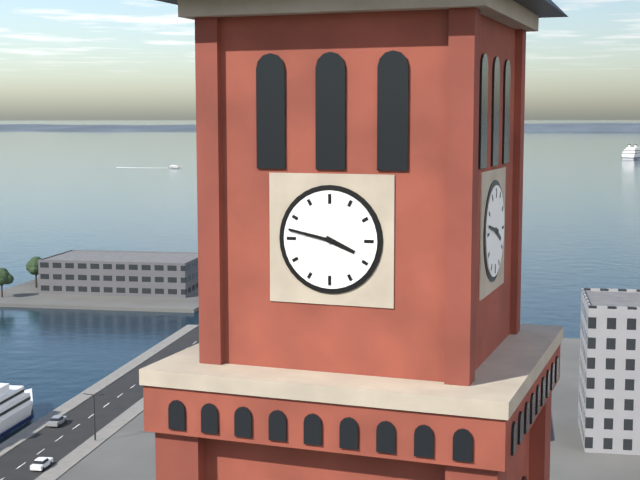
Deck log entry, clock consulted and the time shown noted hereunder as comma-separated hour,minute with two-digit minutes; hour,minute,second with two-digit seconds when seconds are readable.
3,47
